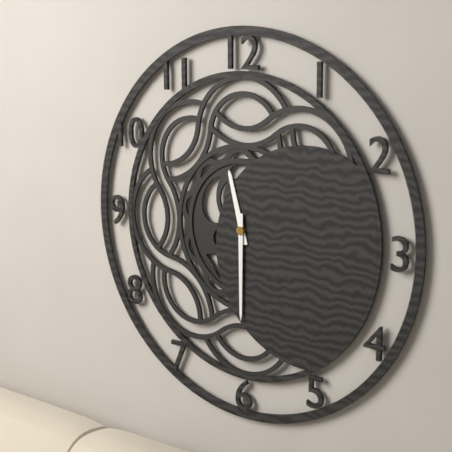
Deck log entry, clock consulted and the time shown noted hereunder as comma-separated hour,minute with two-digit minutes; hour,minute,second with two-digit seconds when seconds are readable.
11,30
